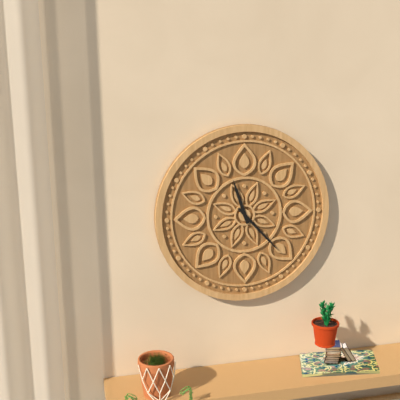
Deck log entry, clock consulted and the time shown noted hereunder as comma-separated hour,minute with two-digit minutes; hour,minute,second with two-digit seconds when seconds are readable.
11,23
